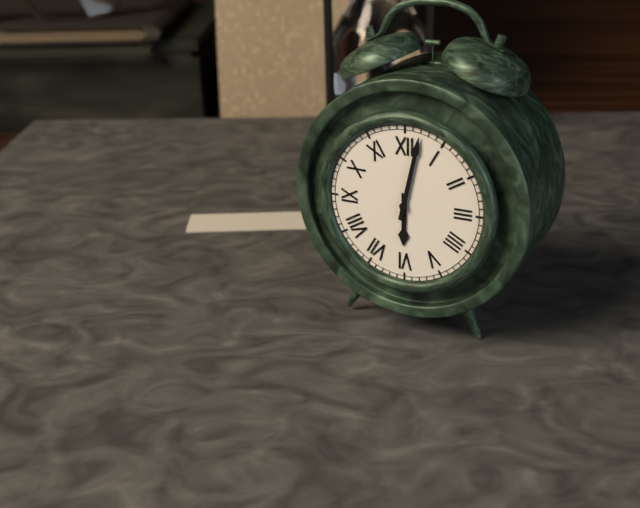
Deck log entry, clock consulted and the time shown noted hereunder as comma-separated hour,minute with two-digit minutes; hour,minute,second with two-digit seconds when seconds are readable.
6,02
